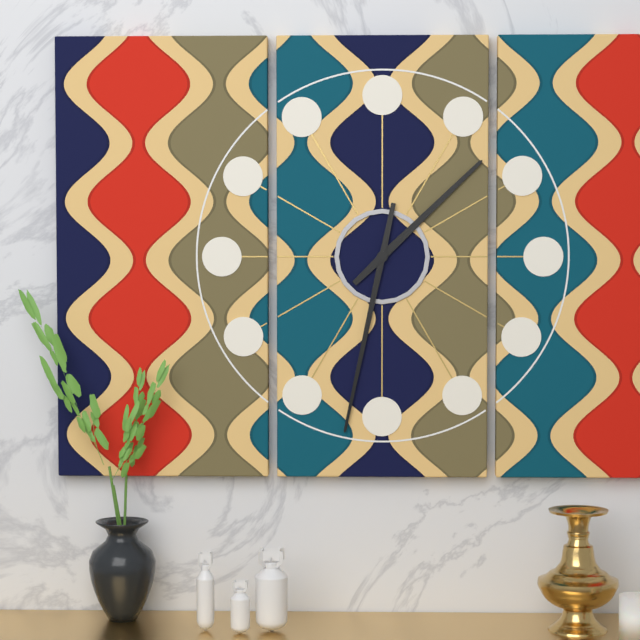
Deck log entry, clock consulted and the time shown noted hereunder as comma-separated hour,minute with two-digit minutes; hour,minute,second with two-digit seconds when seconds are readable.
1,32
